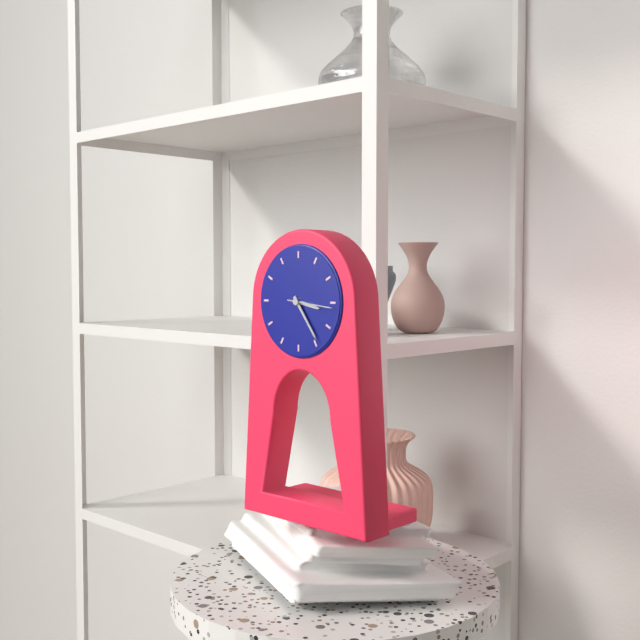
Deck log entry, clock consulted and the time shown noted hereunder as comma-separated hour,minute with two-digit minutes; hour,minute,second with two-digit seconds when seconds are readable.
3,24
